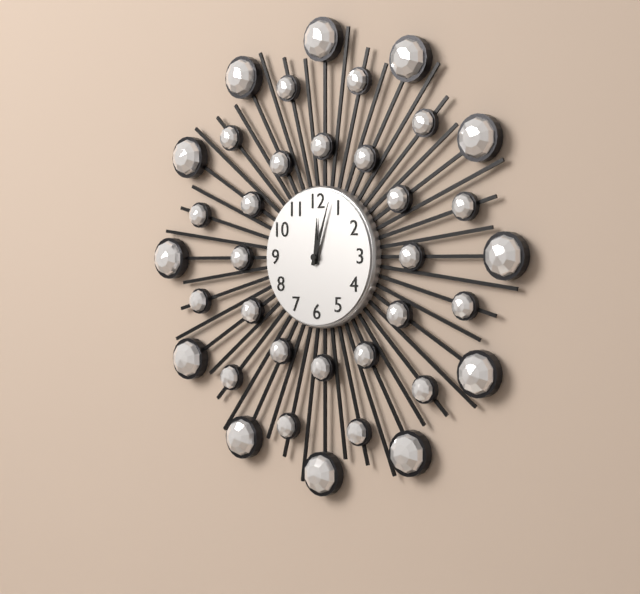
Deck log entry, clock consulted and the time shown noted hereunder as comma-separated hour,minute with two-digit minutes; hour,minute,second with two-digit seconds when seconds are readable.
12,03
